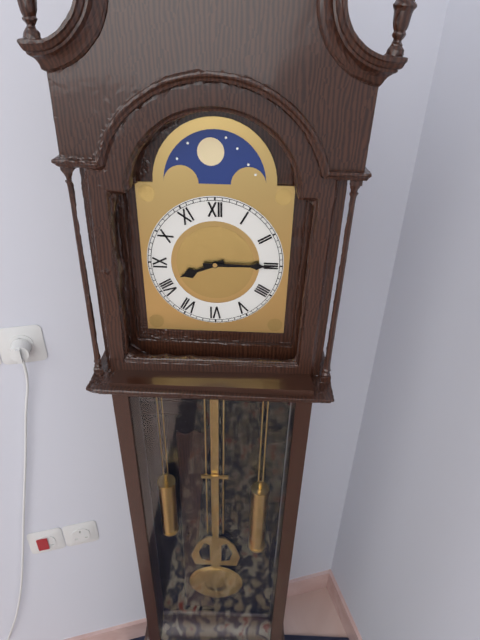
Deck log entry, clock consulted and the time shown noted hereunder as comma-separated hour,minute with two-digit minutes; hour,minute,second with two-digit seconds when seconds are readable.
8,15
